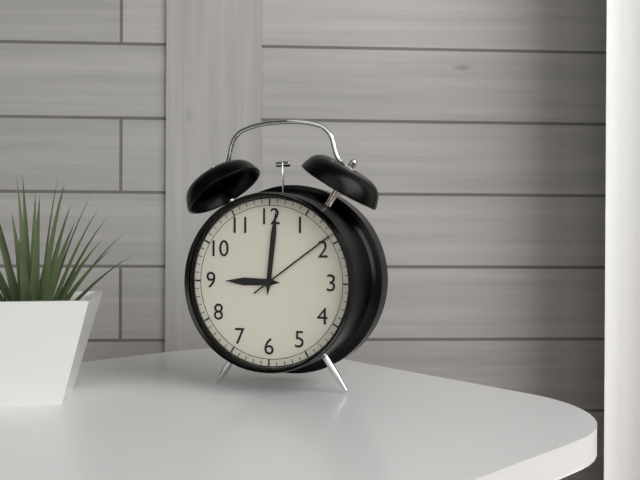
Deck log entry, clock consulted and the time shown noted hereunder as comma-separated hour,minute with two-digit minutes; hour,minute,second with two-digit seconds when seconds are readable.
9,01,09
